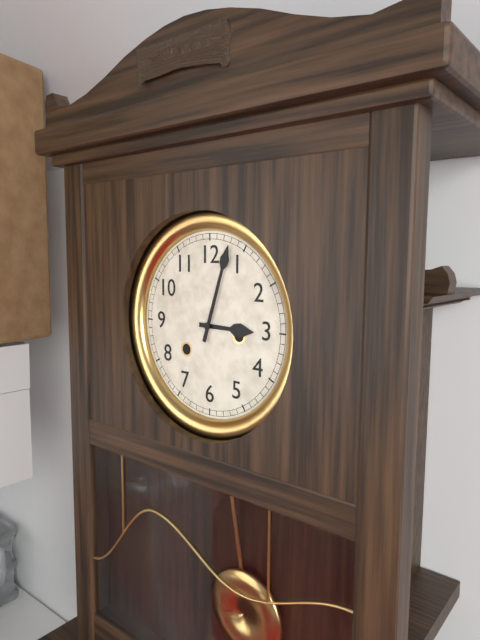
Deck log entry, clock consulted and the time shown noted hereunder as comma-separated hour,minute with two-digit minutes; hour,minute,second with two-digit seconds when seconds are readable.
3,03
